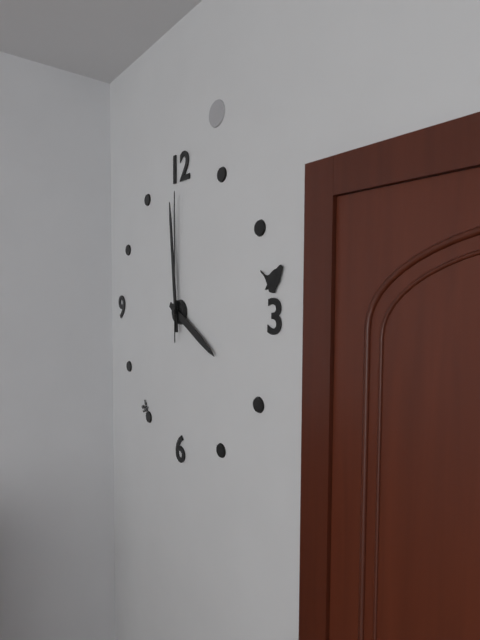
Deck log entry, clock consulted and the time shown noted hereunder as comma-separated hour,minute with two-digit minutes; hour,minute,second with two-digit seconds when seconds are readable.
3,59,00
